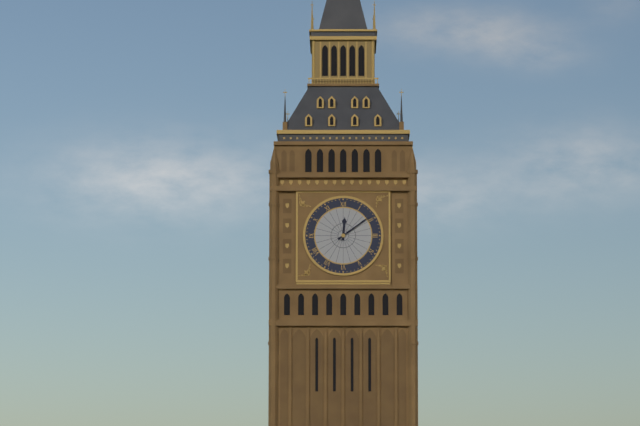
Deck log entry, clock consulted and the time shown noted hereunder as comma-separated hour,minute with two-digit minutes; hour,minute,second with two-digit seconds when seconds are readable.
12,09
